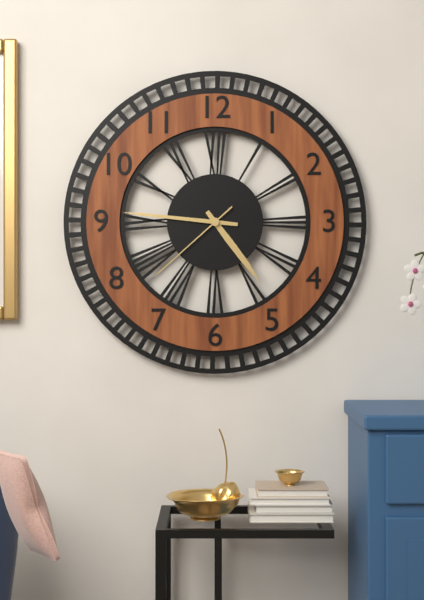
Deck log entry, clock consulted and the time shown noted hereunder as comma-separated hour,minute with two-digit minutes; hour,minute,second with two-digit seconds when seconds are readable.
4,46,38
